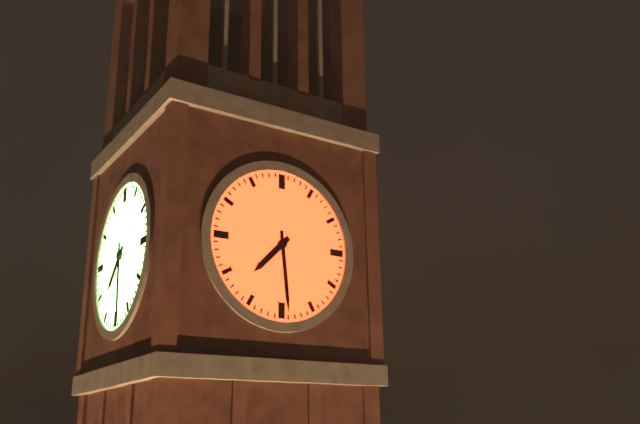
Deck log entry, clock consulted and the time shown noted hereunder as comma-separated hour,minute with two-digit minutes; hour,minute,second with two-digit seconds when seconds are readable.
7,29
